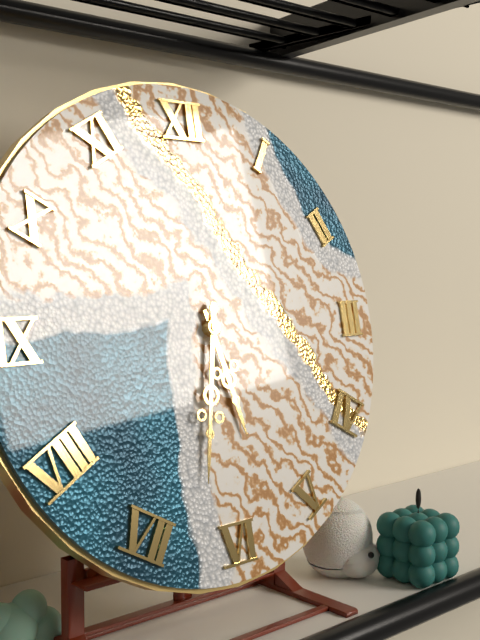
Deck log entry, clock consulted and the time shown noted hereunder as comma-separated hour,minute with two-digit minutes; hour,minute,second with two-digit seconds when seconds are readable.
5,32
